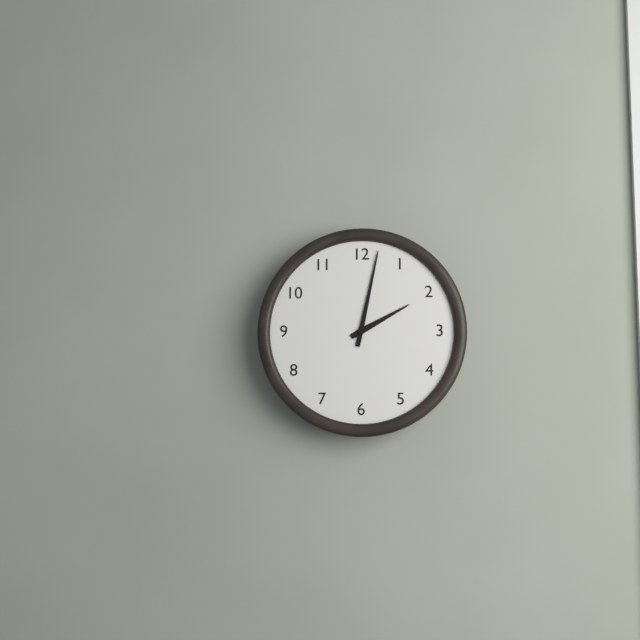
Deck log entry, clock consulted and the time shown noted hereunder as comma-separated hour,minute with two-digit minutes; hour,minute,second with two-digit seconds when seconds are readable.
2,02
